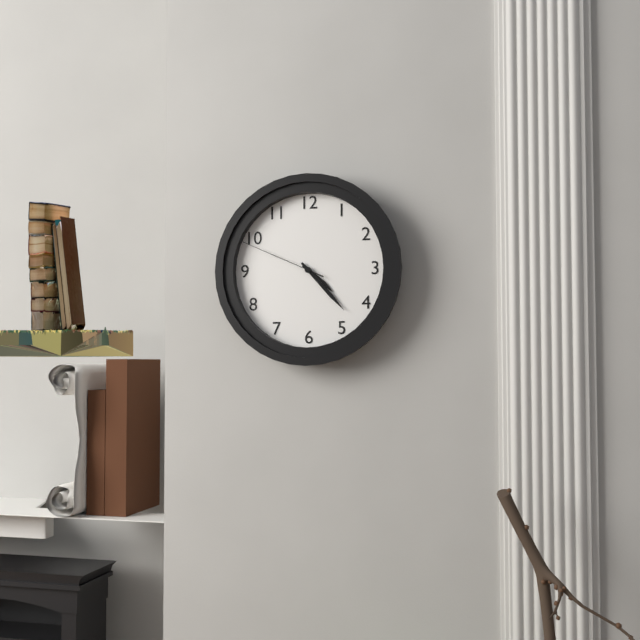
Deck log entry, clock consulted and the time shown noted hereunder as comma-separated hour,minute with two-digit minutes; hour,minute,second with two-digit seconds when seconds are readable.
4,23,49
